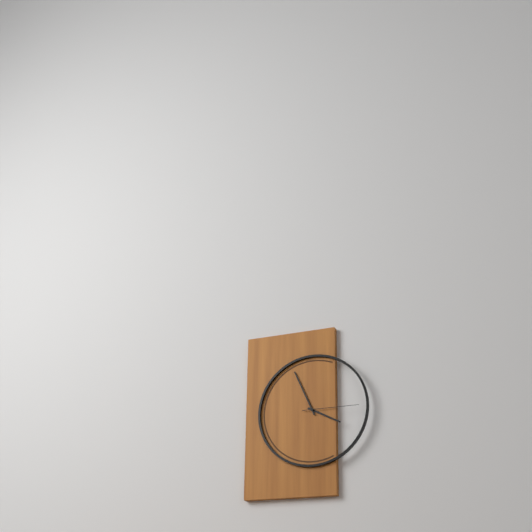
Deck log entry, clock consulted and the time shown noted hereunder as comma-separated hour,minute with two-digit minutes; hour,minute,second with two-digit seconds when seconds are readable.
3,56,15
